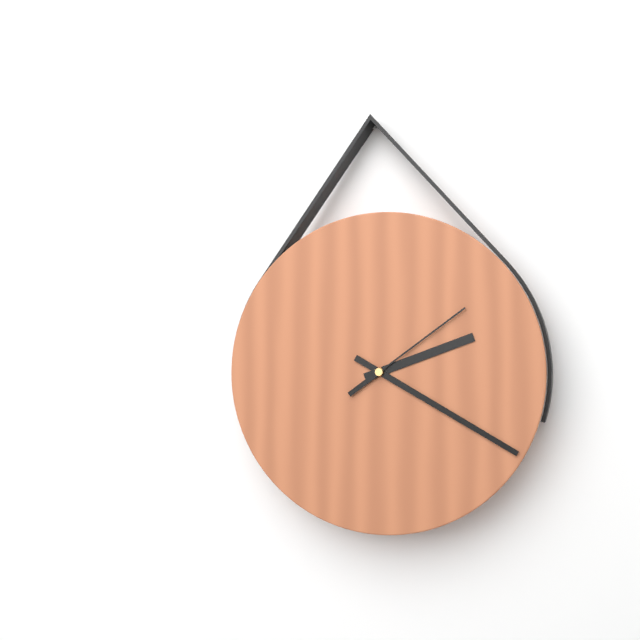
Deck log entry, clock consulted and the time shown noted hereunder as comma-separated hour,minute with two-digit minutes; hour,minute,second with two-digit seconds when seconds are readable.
2,20,09
